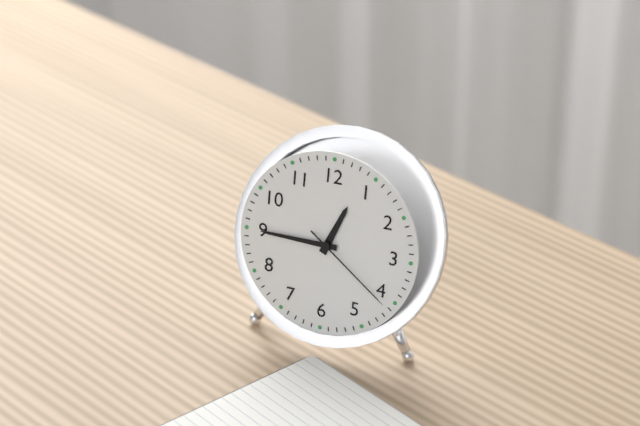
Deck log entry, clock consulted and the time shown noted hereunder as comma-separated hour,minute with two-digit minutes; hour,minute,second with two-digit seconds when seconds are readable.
12,45,21
